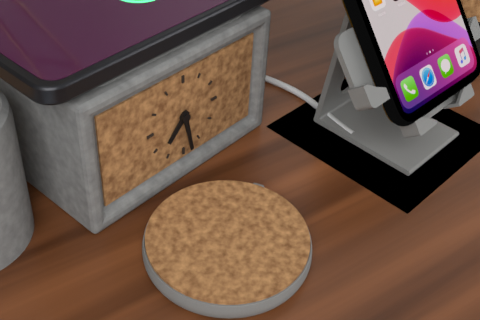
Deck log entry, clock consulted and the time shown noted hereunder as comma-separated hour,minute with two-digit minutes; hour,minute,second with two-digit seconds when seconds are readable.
7,28
